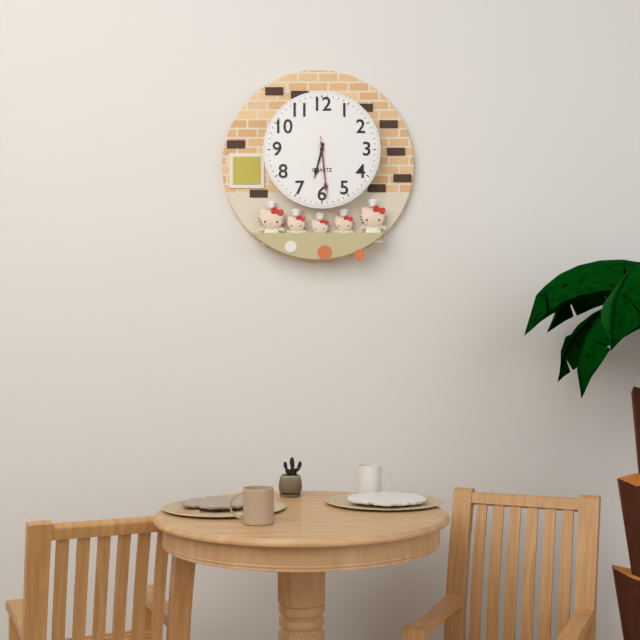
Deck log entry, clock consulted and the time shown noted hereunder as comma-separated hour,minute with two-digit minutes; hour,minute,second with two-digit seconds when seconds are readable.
6,29,29
